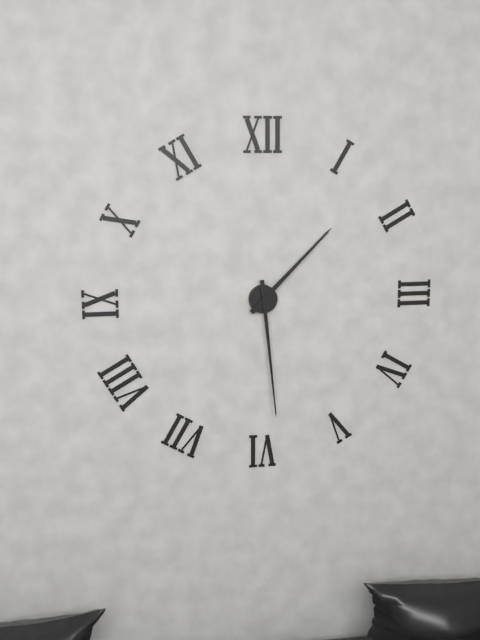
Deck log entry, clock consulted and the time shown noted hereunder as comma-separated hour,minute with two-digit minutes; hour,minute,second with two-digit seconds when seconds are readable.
1,29
